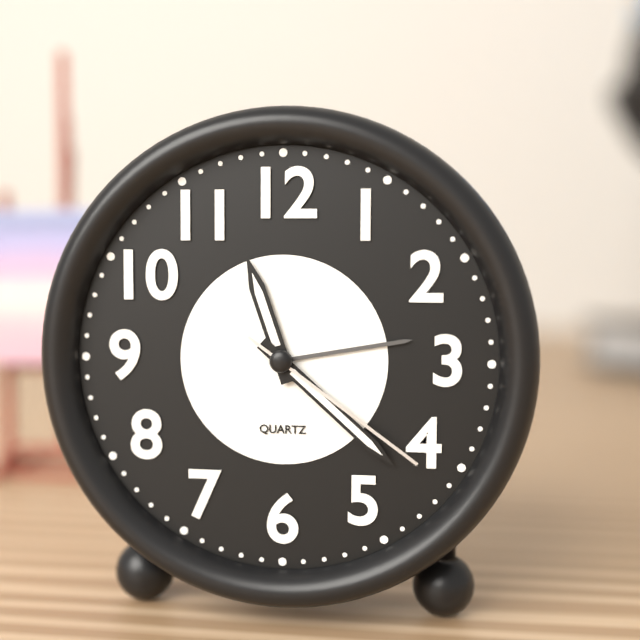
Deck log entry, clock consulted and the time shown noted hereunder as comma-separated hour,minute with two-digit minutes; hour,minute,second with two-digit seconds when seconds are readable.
11,22,21
